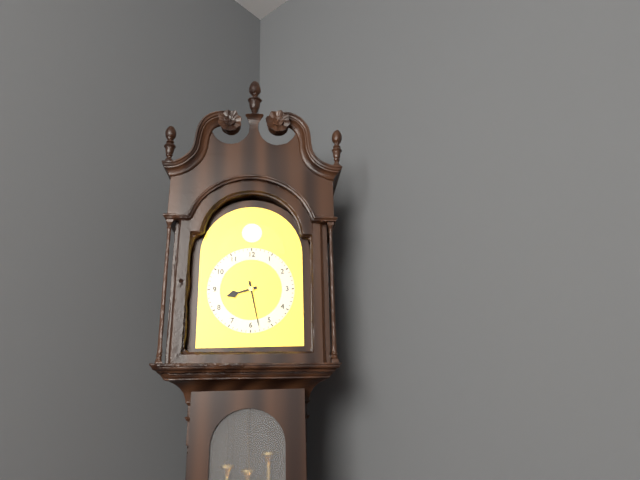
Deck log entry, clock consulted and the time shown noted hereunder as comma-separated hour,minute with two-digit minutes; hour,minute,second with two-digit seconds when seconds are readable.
8,28
